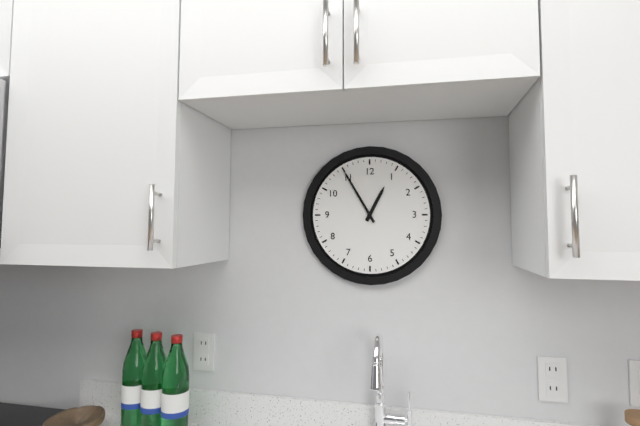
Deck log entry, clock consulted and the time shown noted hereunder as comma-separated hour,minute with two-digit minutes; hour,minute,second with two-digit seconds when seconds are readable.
12,55
